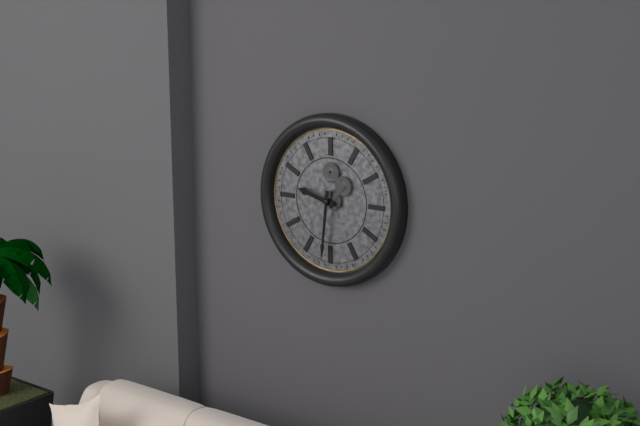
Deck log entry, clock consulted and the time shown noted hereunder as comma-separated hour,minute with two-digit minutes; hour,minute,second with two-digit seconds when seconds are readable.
9,31
